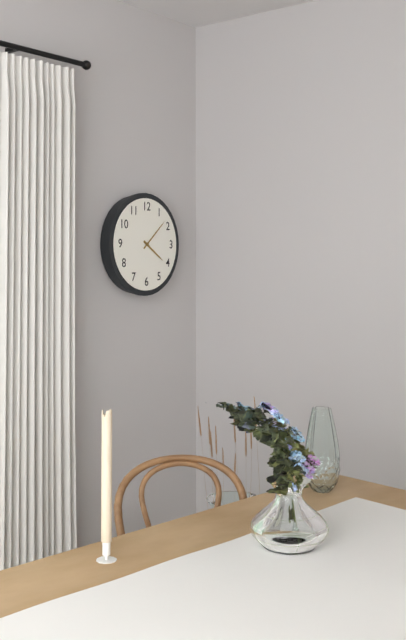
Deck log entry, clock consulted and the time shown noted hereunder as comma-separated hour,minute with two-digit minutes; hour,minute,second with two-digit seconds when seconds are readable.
4,08
